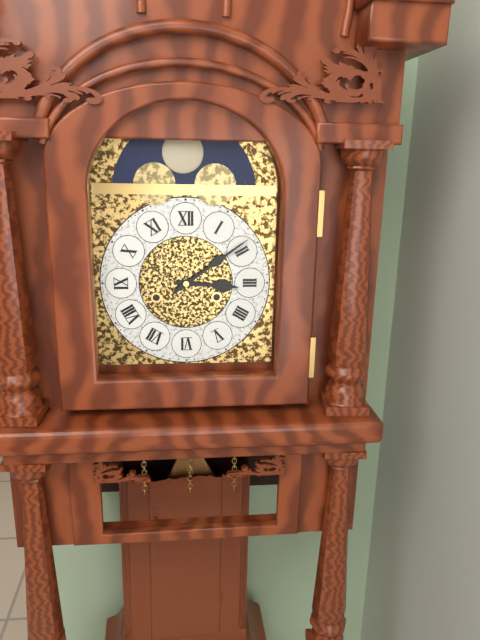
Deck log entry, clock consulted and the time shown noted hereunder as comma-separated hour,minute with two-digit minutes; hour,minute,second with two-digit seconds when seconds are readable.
3,09
